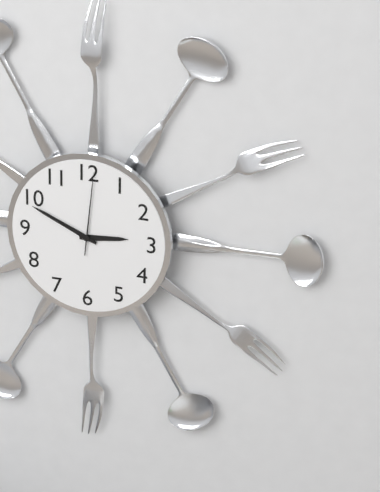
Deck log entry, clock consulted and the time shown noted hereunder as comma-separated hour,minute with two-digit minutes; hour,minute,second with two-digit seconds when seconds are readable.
2,49,01
